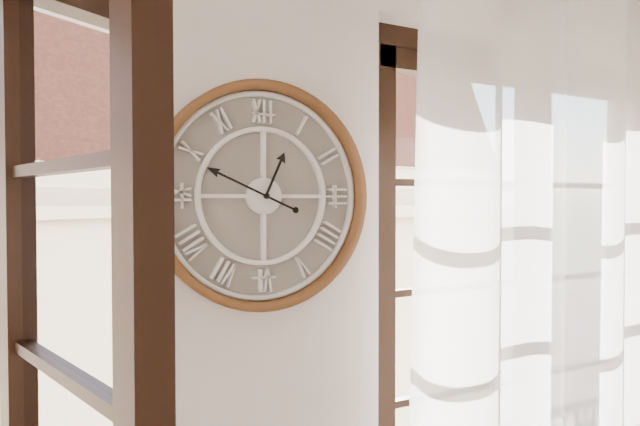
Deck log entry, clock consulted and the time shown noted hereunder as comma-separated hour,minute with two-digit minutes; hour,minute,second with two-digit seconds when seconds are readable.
12,49
